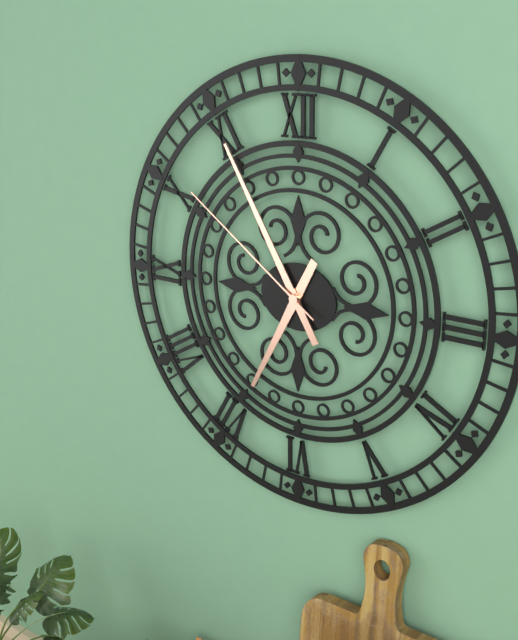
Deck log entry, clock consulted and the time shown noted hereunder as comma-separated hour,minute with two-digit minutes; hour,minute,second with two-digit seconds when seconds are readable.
6,55,51
